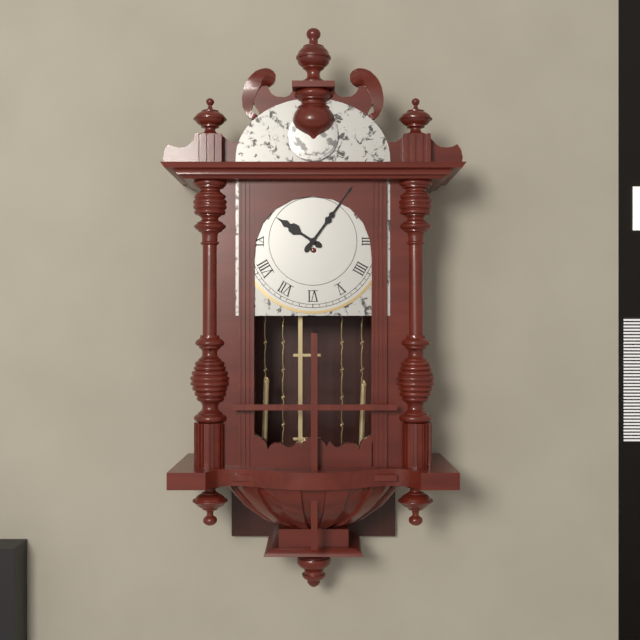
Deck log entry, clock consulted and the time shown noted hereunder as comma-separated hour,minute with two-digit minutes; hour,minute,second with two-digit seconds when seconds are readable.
10,06
